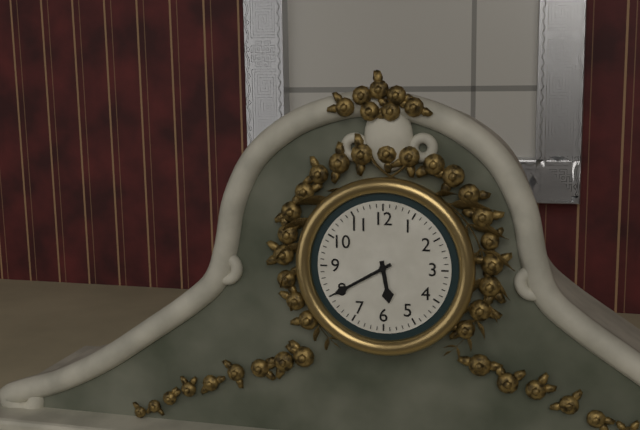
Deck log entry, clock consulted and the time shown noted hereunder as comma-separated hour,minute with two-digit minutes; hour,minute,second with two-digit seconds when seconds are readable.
5,40
